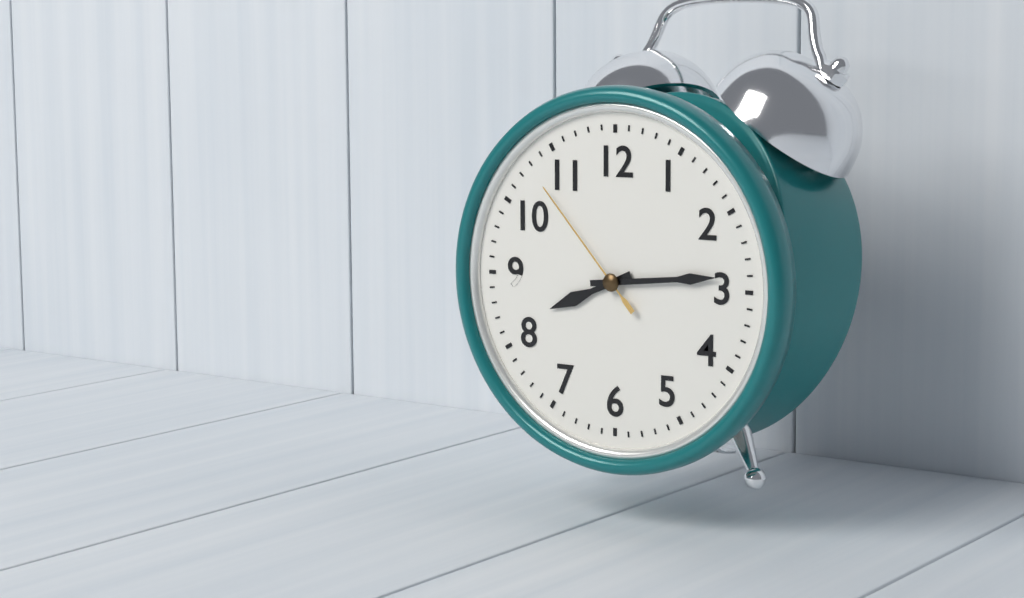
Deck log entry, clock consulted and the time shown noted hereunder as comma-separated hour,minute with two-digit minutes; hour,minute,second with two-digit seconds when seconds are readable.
8,14,53
